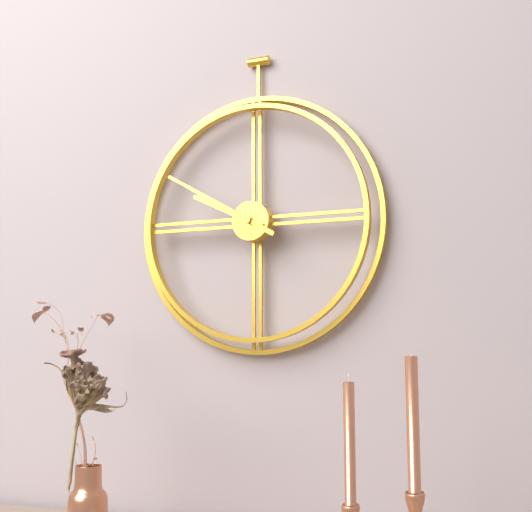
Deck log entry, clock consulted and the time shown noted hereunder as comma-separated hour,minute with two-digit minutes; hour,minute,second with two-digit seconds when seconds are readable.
9,50
